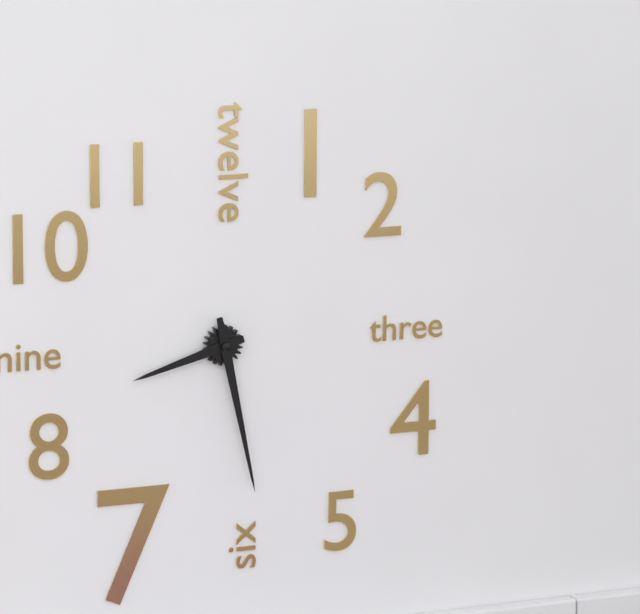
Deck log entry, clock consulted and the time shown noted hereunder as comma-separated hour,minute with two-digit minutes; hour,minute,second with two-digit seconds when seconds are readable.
8,28
